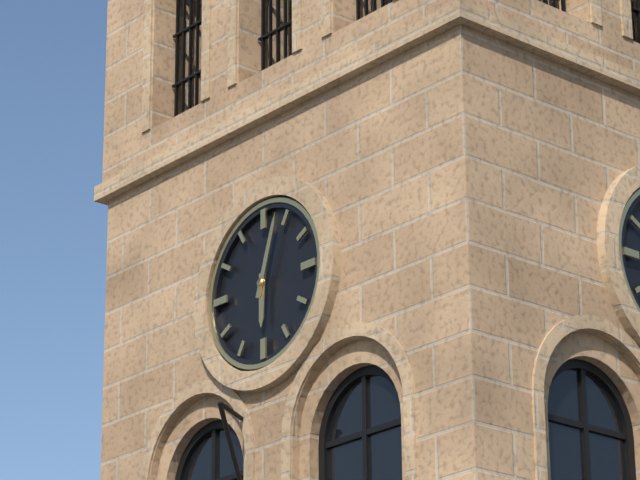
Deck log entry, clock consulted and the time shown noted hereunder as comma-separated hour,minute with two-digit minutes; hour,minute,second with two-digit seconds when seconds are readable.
6,03
